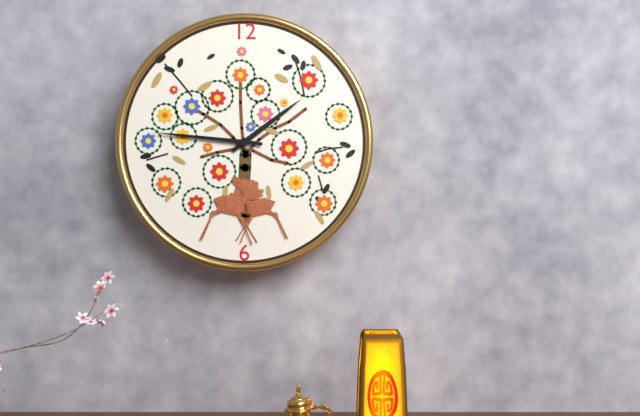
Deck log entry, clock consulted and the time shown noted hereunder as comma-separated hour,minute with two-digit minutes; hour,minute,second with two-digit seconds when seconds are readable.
1,46
